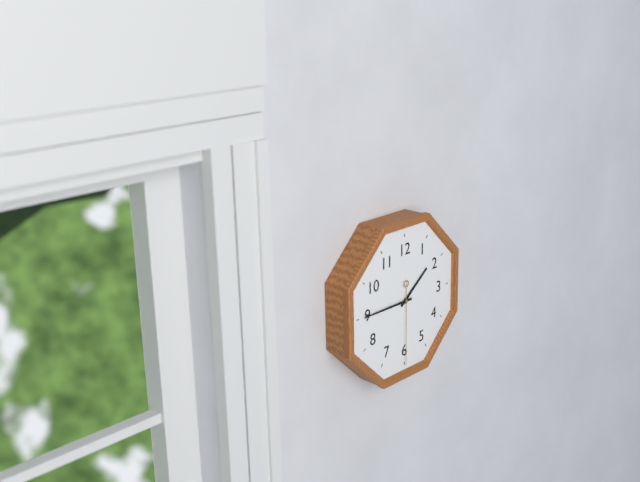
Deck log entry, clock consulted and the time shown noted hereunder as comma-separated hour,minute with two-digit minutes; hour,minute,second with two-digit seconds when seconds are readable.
1,45,30
